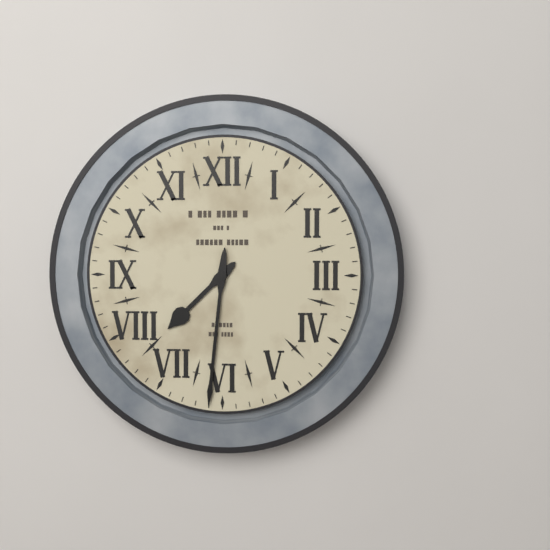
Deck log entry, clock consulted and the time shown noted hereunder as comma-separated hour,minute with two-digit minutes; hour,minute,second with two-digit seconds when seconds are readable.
7,31
